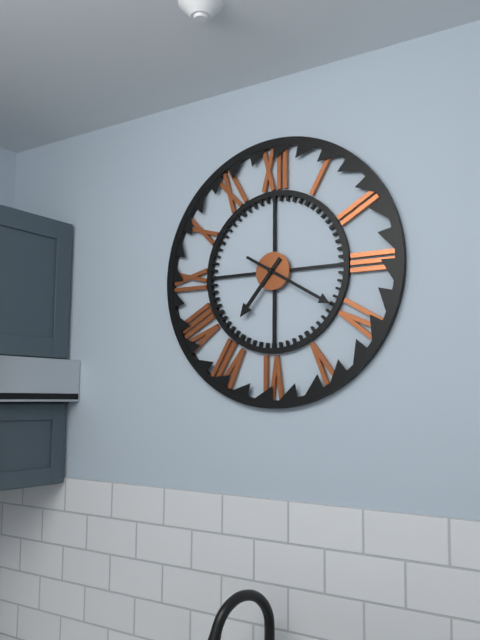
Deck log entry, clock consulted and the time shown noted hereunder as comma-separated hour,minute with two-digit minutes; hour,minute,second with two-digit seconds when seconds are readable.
7,20
